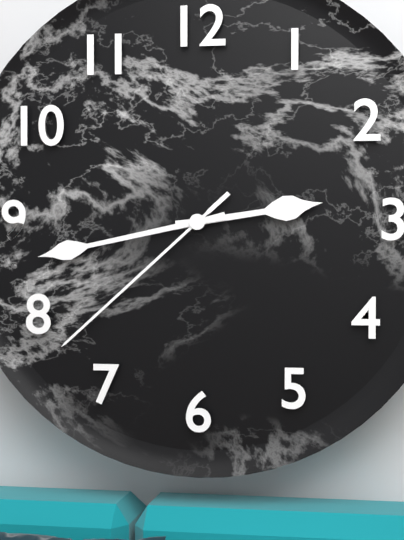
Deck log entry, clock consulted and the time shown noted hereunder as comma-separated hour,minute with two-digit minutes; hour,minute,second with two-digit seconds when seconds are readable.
2,43,38
